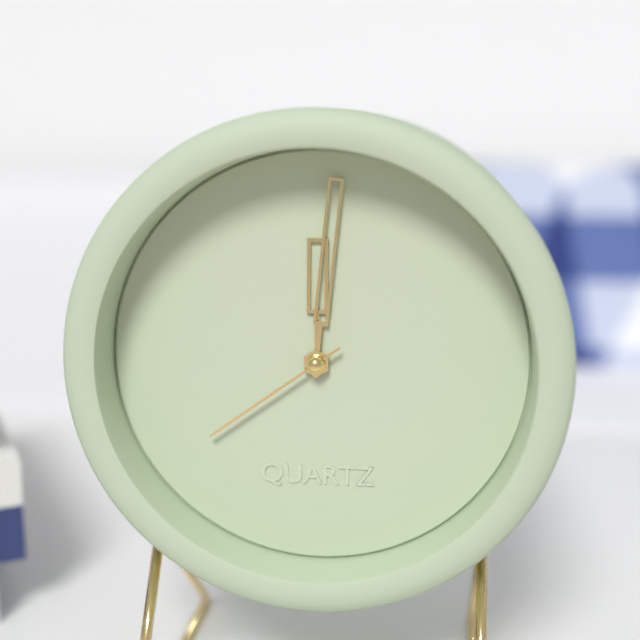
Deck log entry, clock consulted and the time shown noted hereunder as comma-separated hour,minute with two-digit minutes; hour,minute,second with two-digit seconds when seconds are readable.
12,01,39
